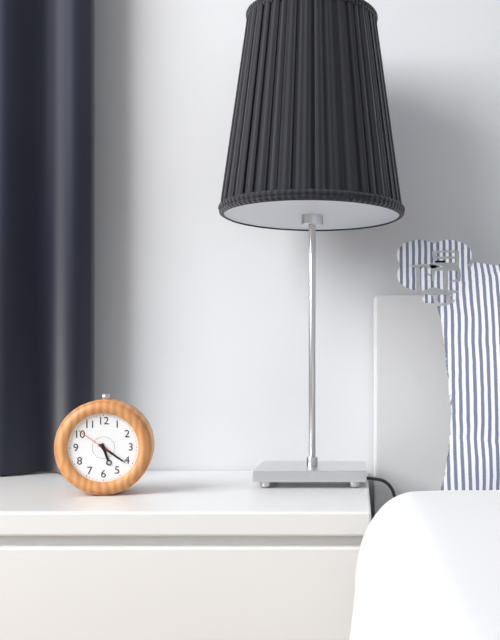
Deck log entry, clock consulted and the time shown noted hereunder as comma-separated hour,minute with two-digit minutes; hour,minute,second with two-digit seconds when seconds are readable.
5,21
